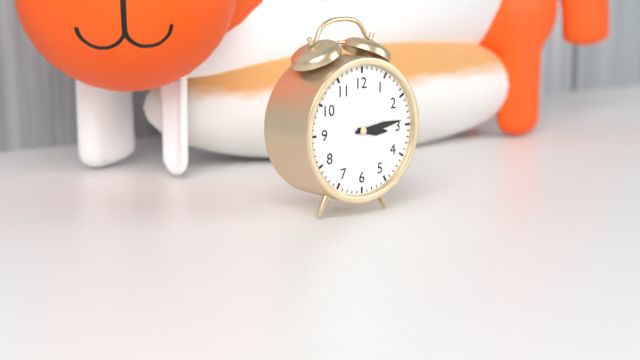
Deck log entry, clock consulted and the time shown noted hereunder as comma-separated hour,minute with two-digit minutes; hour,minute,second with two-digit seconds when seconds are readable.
3,14
